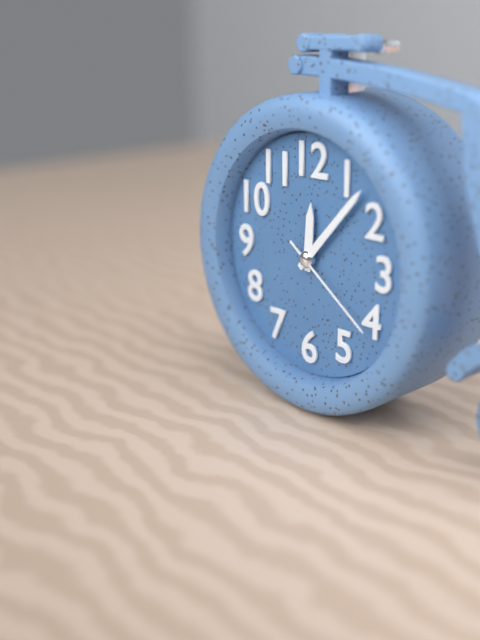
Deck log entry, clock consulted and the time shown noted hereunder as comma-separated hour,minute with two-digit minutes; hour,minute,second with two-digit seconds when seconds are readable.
12,07,21
